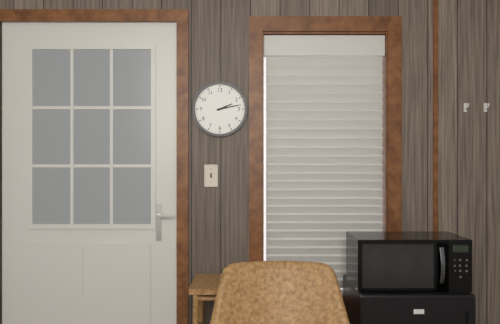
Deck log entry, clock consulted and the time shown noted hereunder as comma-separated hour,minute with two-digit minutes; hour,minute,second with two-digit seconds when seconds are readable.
2,13
